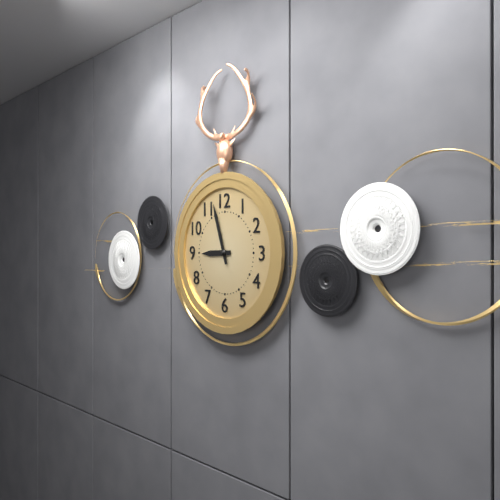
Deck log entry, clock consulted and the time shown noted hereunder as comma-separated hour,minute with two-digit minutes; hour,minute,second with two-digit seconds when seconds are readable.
8,57
